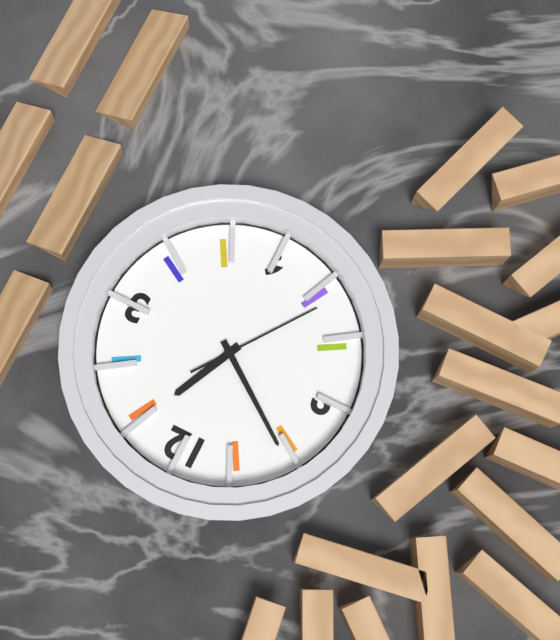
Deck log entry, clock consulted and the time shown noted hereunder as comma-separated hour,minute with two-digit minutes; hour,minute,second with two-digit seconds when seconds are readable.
12,51,36
